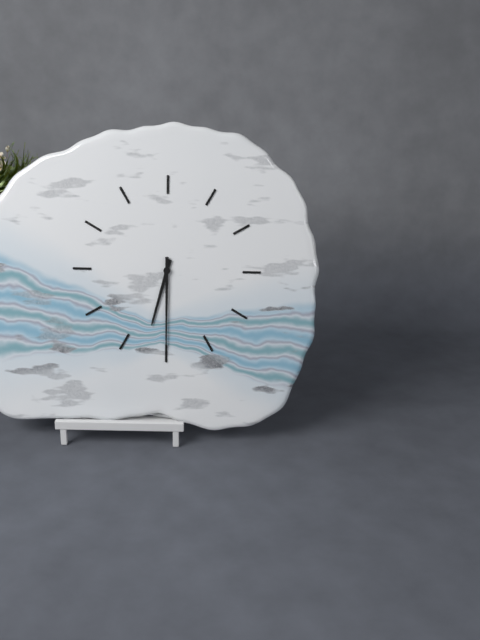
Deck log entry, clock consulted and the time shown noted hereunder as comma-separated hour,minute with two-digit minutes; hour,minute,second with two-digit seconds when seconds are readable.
6,30
